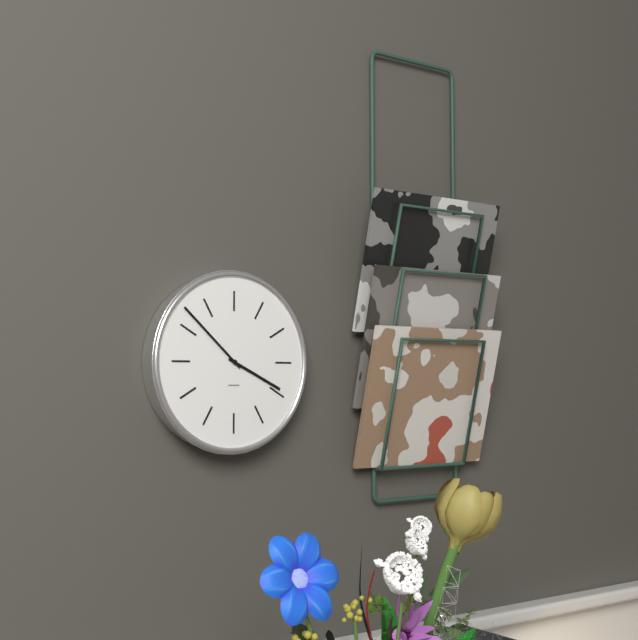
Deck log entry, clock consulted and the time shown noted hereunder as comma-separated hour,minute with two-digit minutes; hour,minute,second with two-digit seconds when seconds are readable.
3,52
